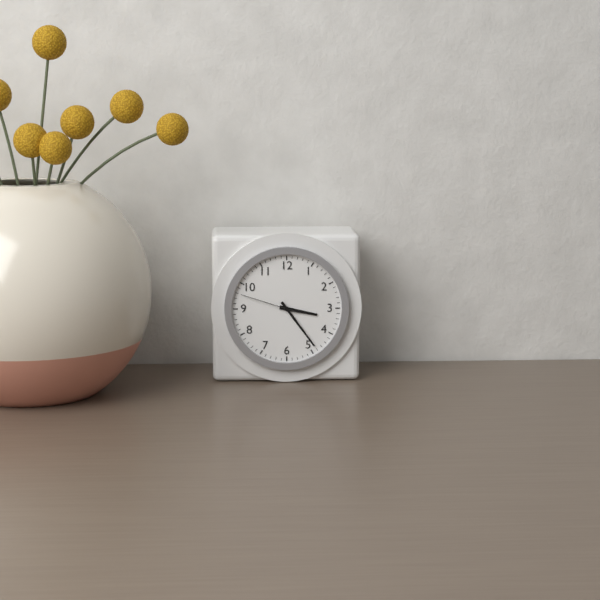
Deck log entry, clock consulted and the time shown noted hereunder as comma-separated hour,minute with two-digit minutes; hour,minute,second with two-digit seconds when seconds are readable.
3,24,48
